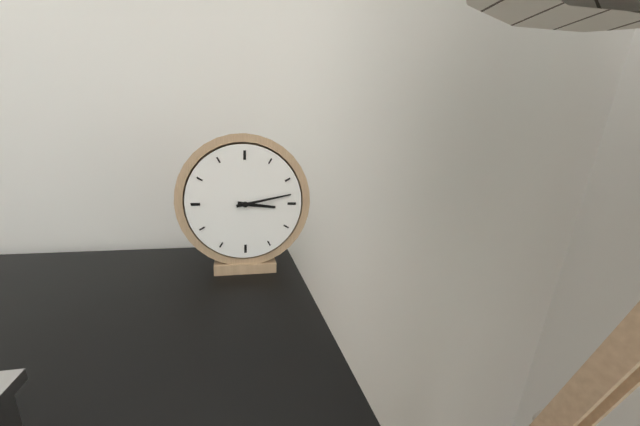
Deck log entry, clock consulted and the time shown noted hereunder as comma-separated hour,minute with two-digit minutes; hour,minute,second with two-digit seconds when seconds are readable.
3,13
